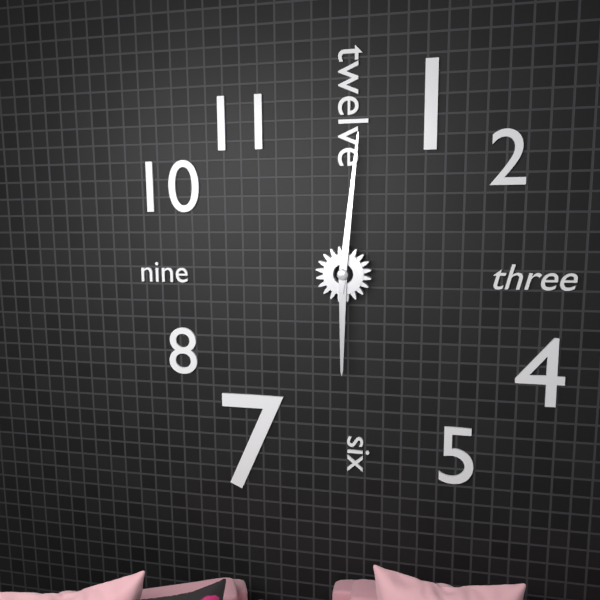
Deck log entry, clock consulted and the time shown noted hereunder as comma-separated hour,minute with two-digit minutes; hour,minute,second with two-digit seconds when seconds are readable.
6,01
